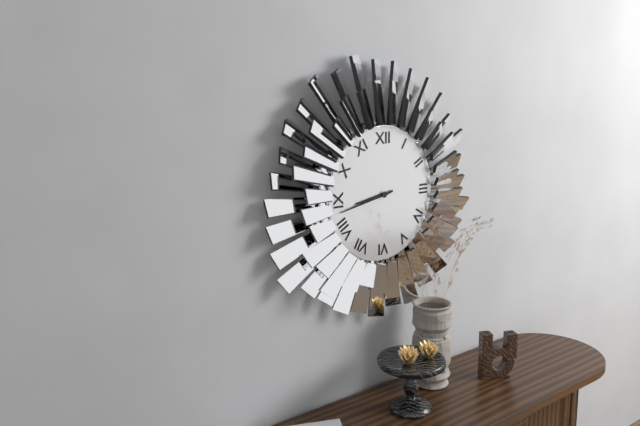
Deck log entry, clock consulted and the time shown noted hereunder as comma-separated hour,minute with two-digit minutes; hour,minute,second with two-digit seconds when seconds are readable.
8,43
